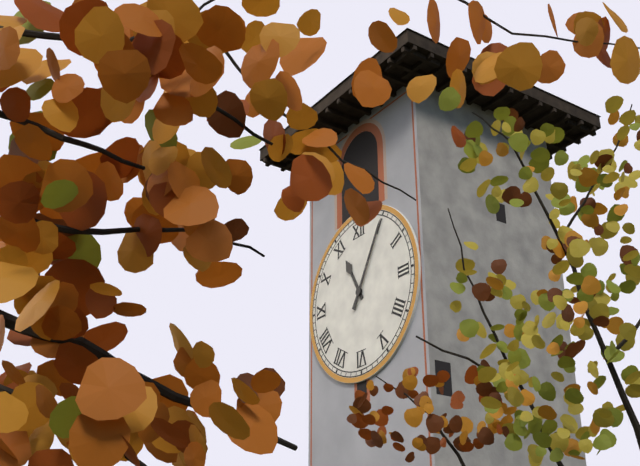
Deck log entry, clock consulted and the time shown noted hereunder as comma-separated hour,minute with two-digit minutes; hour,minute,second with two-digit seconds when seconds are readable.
11,05
